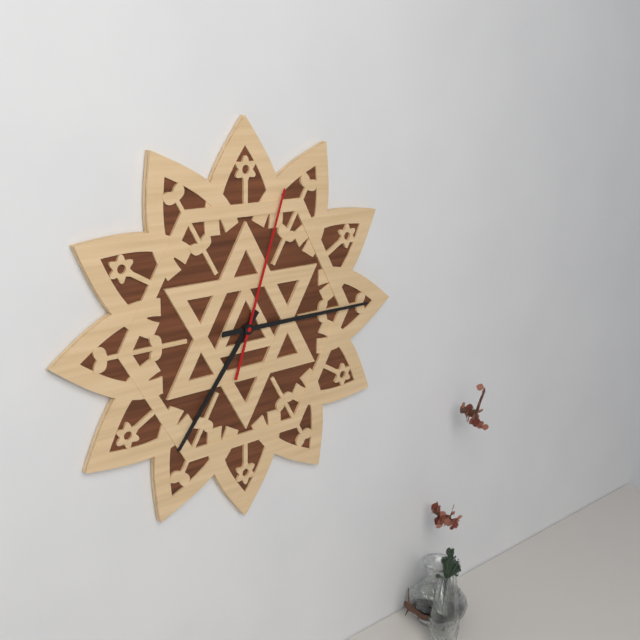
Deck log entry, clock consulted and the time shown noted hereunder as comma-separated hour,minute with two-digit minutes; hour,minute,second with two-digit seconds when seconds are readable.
7,15,03
